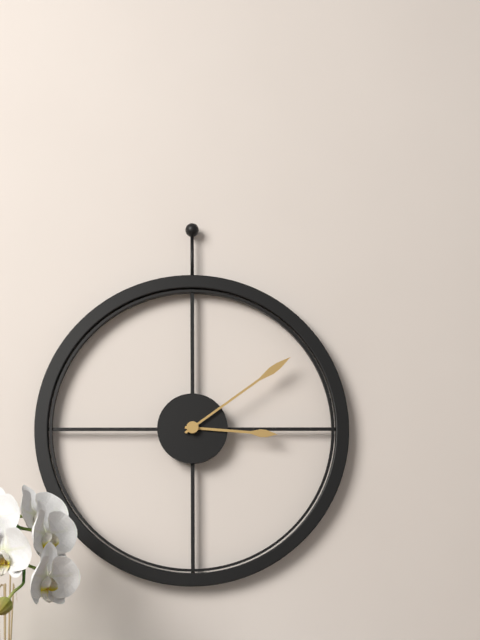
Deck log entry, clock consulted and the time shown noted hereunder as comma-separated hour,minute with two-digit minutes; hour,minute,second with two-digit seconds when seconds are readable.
3,09
